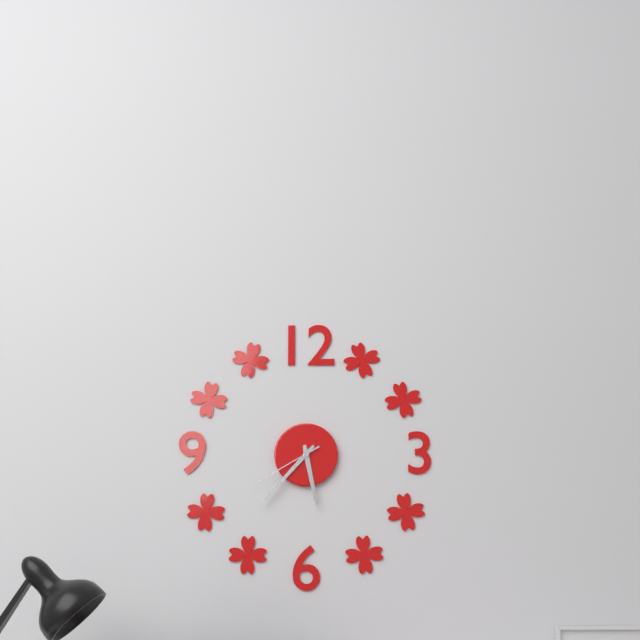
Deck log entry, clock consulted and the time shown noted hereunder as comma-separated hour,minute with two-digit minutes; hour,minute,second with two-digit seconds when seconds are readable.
5,37,40
